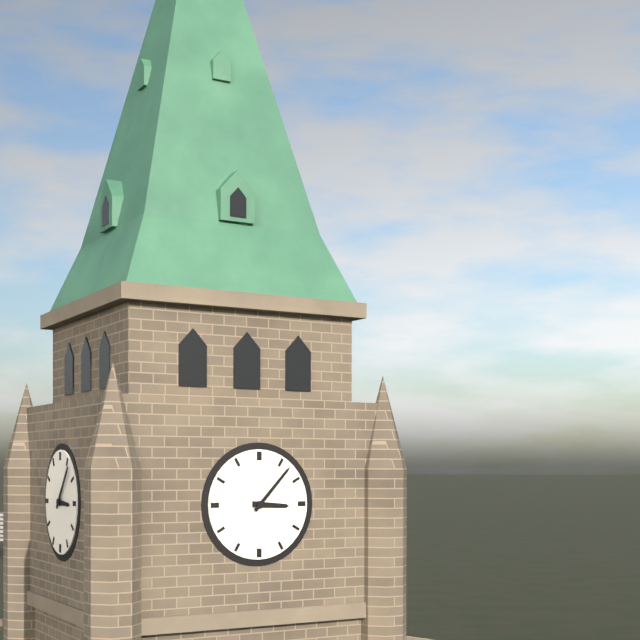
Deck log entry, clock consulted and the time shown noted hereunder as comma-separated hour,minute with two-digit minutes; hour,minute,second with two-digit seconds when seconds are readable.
3,07
